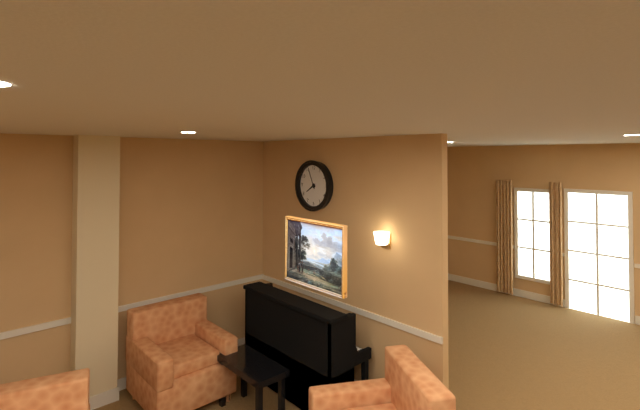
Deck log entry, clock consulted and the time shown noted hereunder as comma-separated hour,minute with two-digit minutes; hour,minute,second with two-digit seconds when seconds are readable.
7,56
